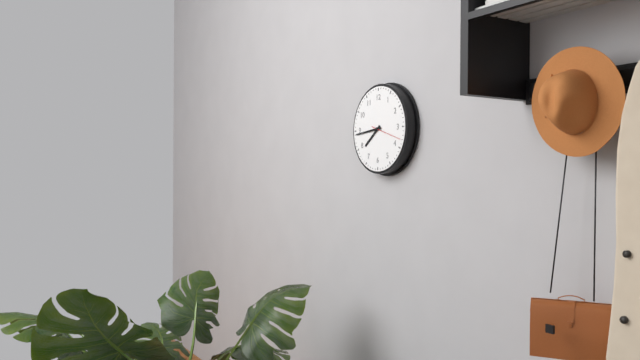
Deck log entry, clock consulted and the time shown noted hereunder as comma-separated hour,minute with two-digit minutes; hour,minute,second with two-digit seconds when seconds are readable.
7,44
